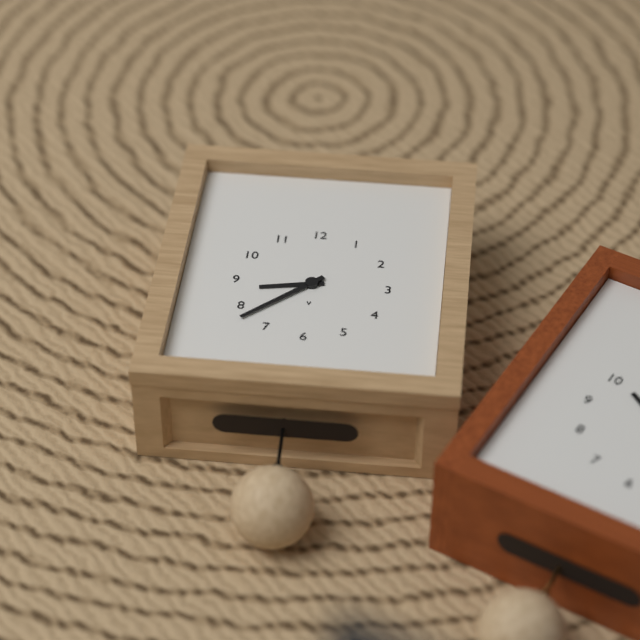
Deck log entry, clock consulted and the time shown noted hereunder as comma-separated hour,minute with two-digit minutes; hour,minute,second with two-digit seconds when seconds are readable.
8,38
